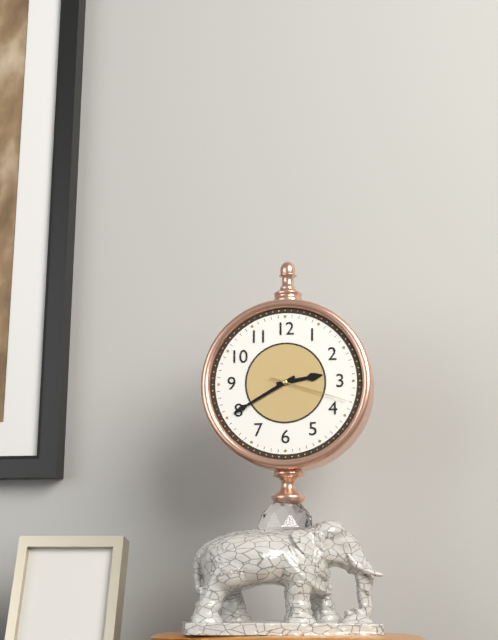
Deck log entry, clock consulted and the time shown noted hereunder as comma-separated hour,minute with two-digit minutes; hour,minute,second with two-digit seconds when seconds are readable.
2,40,18
